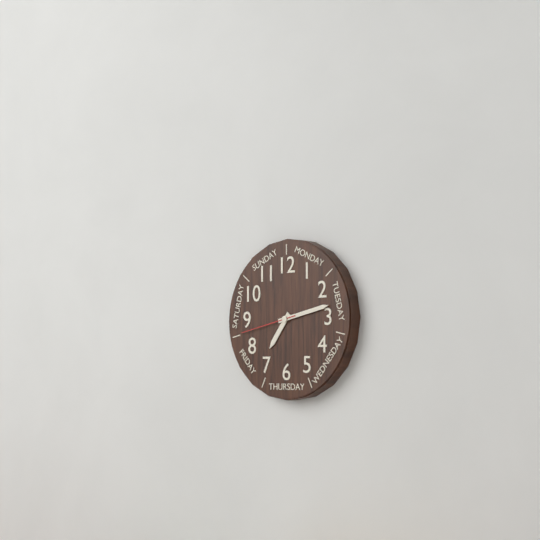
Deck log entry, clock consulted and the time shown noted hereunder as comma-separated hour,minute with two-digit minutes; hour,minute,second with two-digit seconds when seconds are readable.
7,13,43
